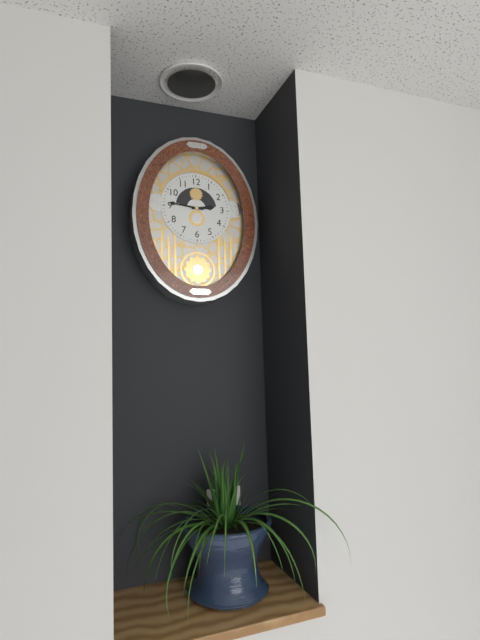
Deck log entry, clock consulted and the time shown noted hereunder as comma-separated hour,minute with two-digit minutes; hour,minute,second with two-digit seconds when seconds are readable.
2,46
